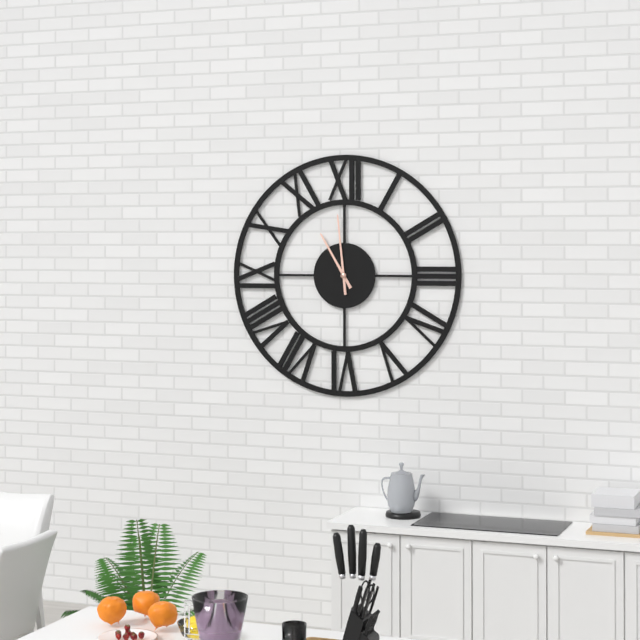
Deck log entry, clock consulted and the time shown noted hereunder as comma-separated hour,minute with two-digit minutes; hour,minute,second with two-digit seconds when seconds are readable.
10,59
